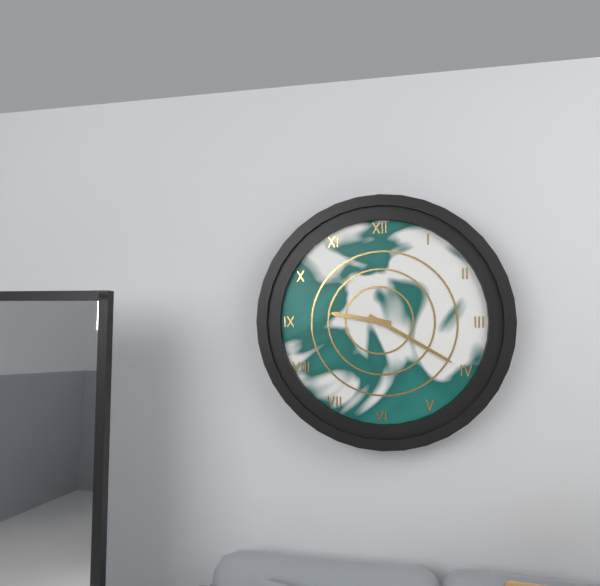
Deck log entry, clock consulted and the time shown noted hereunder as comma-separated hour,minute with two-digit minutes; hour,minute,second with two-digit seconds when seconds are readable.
9,20
